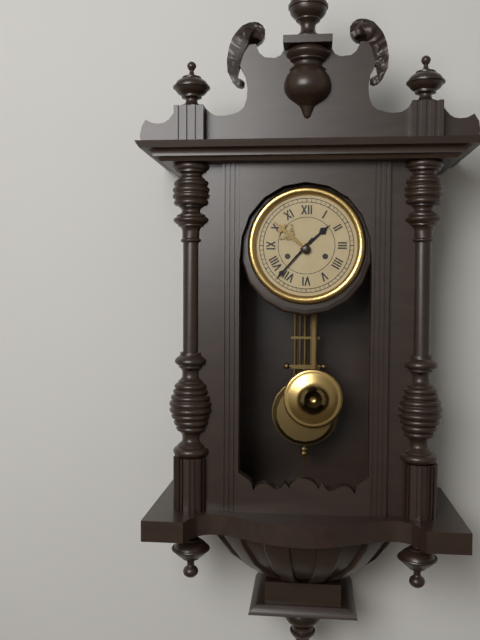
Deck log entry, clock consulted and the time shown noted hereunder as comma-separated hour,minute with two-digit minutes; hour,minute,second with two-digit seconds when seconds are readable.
1,37
